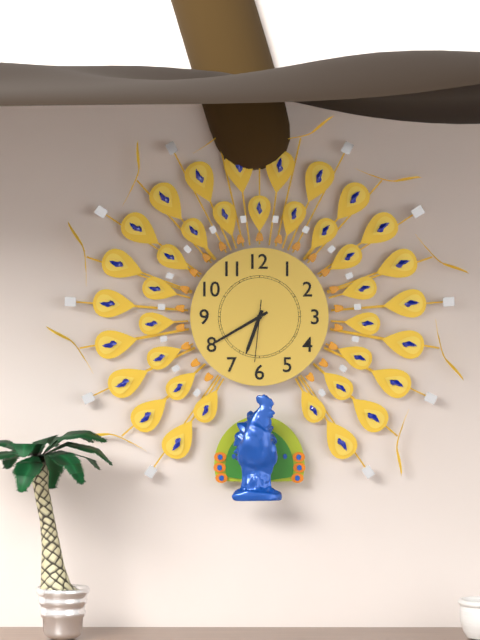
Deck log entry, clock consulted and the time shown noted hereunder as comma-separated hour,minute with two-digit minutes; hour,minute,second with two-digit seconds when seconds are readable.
6,40,31
